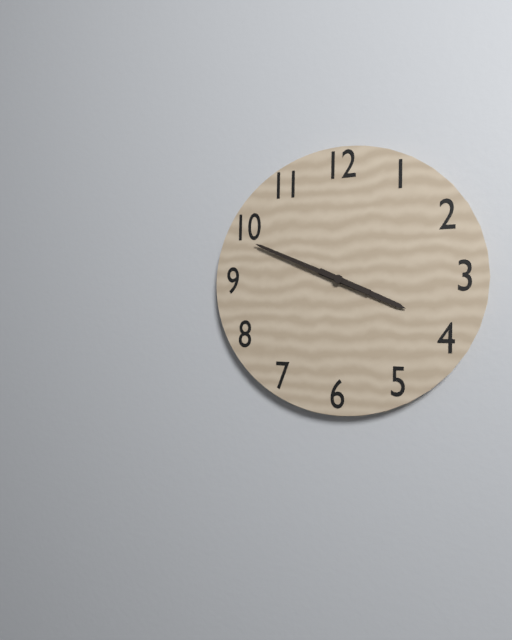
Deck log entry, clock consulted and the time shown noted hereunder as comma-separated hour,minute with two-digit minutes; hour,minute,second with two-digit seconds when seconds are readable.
3,49
